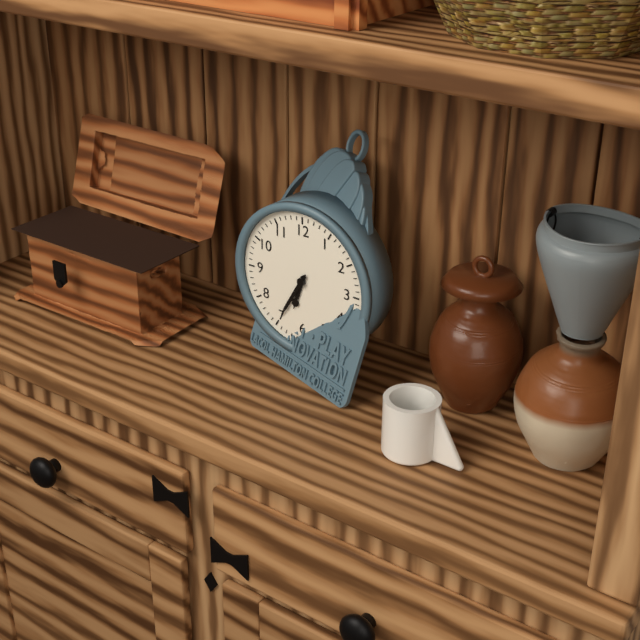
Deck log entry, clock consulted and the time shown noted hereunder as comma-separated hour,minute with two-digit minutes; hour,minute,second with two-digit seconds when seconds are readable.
6,35
